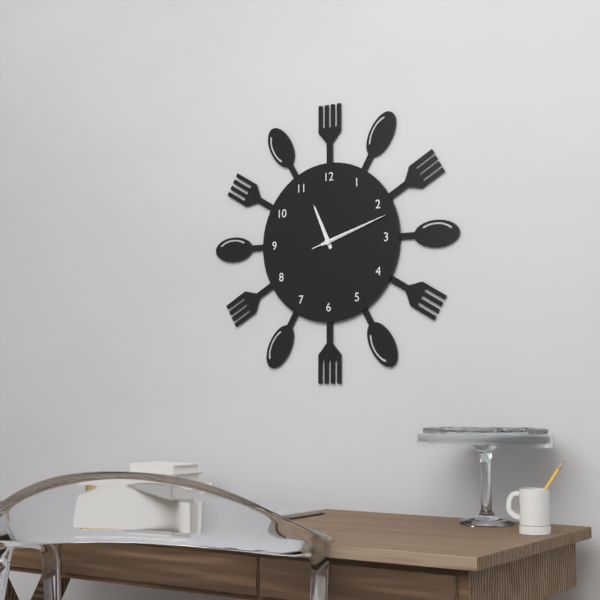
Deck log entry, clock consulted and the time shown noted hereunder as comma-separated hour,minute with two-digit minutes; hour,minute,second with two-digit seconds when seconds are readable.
11,12,12
